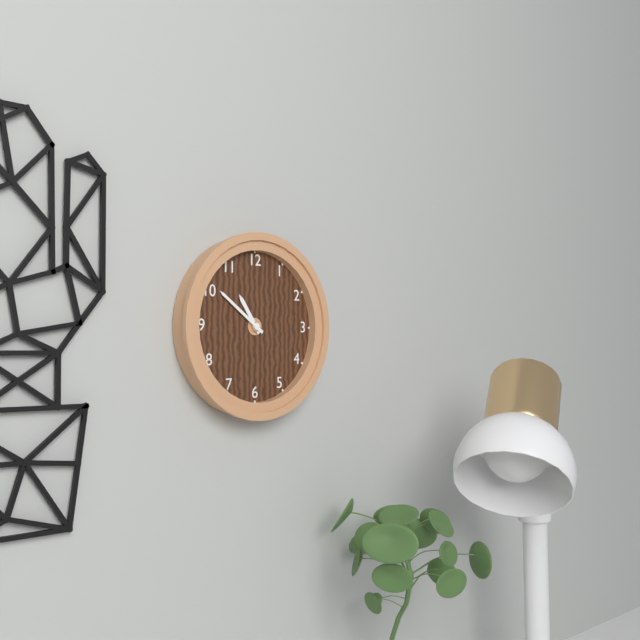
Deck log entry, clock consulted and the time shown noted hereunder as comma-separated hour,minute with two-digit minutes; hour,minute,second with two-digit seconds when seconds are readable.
10,51
